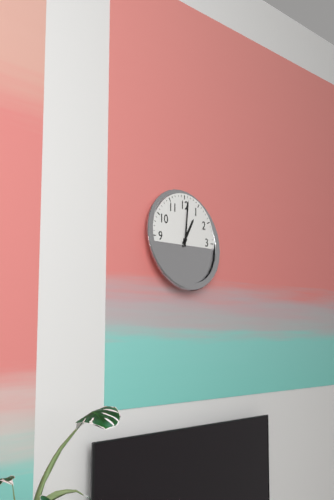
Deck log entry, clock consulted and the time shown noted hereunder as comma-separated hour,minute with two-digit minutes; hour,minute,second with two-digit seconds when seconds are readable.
1,01
